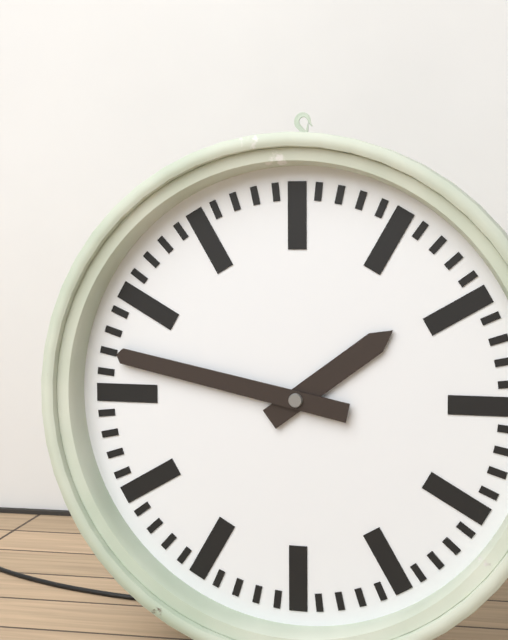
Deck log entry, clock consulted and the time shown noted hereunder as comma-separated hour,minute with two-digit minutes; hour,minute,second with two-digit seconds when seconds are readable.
1,47
